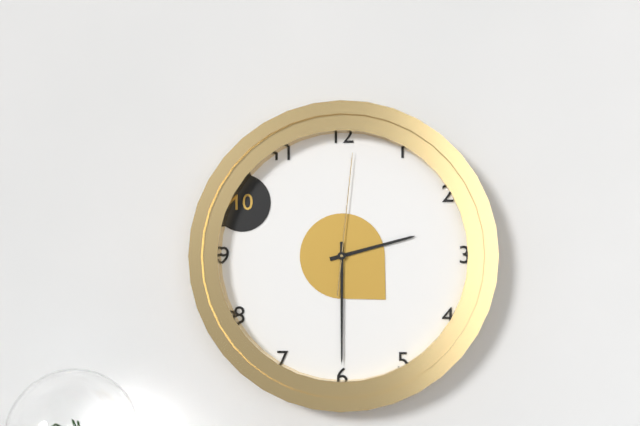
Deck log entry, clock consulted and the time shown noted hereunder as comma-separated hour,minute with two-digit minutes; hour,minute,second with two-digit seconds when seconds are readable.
2,30,01
